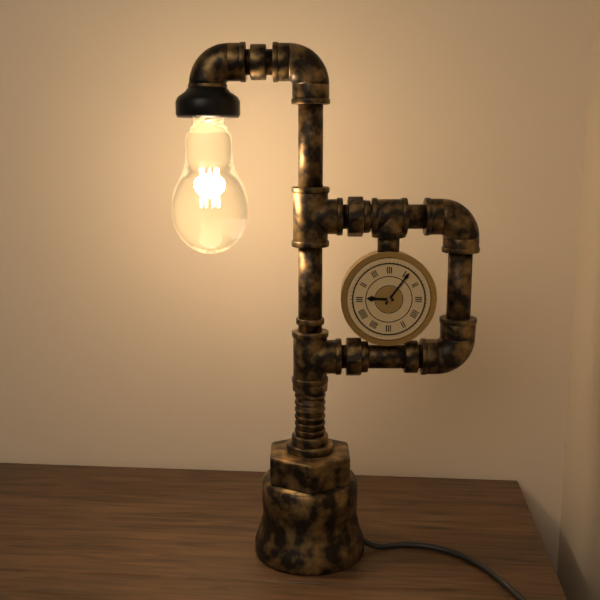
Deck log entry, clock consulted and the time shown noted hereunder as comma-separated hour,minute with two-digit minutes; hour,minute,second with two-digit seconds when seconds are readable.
9,06
